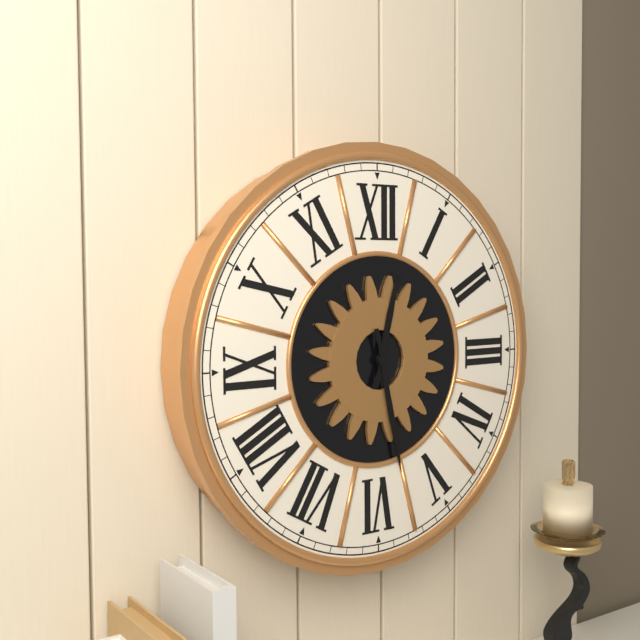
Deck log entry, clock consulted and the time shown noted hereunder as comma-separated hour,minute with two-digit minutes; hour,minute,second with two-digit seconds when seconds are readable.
12,28
